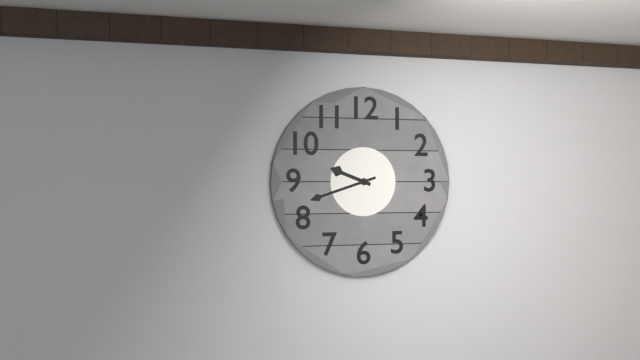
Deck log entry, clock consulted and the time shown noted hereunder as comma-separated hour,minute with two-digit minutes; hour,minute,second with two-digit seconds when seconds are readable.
9,42
